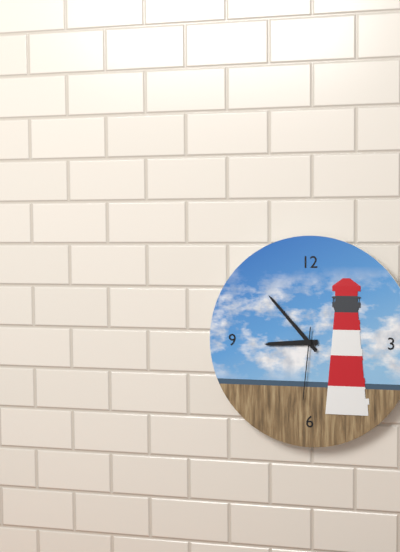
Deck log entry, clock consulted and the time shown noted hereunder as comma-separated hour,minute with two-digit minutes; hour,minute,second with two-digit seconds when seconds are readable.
8,53,31
